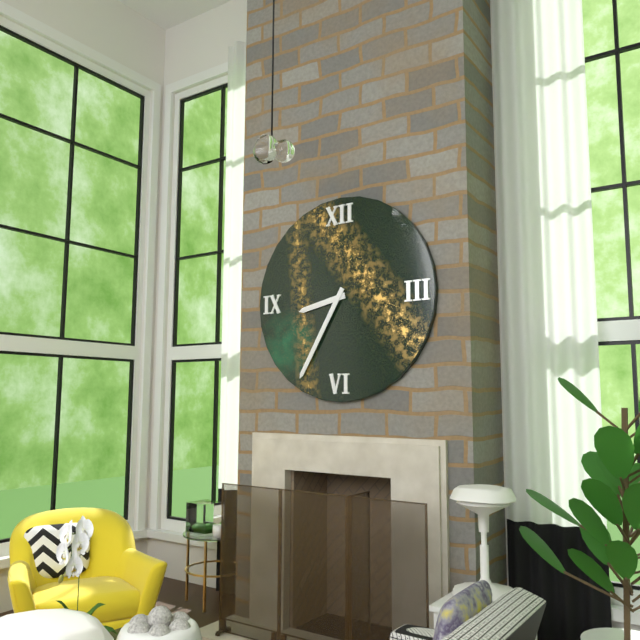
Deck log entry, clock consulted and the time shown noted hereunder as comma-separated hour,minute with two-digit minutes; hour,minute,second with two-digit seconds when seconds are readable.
8,35
